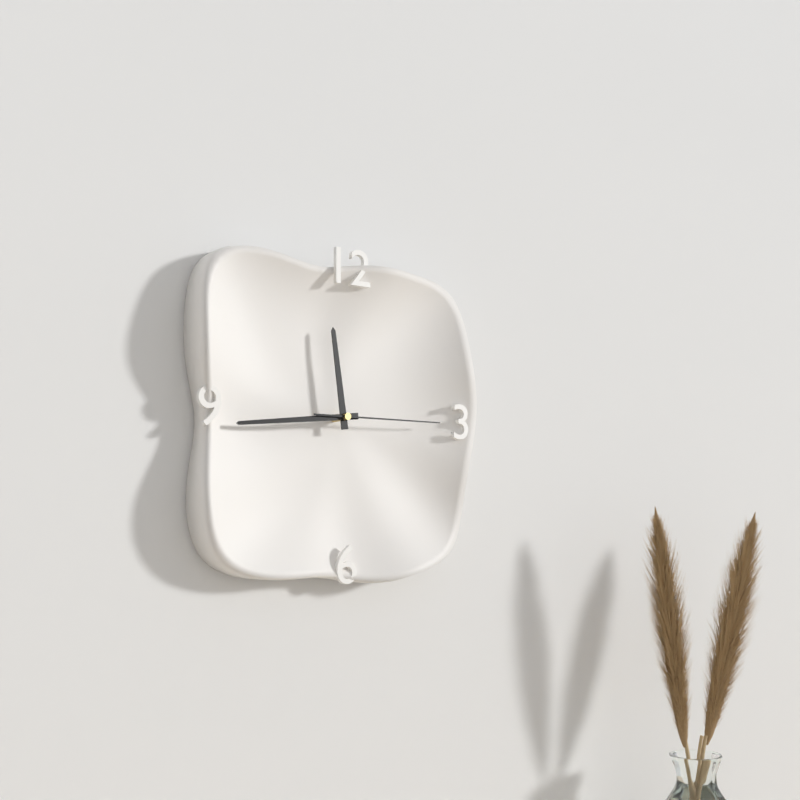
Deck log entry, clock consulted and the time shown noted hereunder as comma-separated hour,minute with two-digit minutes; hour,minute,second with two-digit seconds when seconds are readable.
11,44,15
